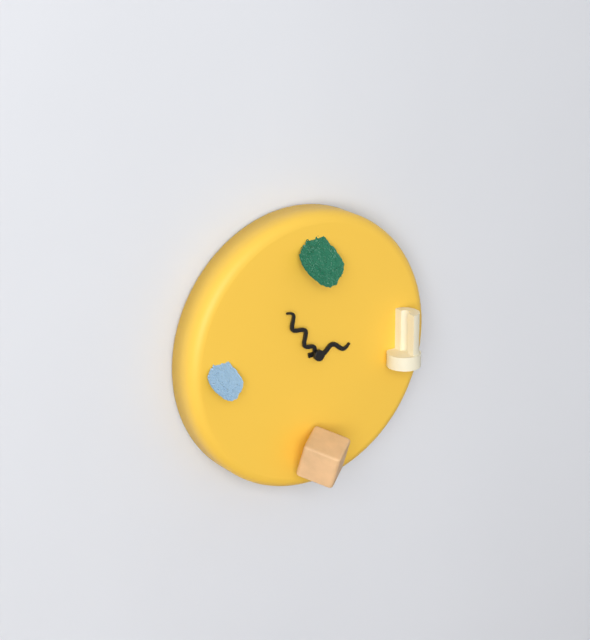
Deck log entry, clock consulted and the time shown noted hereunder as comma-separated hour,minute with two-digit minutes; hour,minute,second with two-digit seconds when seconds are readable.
2,54
